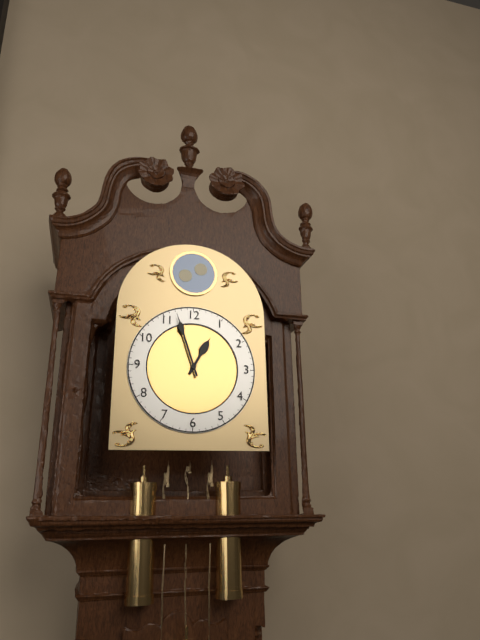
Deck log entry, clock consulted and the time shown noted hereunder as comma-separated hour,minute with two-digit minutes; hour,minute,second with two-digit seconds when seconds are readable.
12,57
